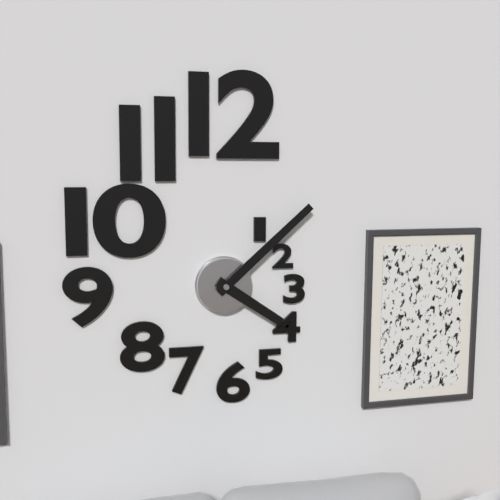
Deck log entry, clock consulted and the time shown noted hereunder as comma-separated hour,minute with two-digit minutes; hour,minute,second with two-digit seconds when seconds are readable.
4,08
